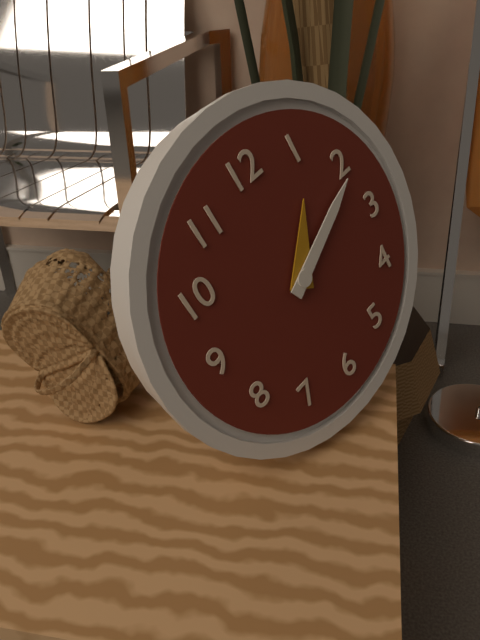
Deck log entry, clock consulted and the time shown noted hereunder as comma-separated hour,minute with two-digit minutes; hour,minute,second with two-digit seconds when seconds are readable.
1,11
